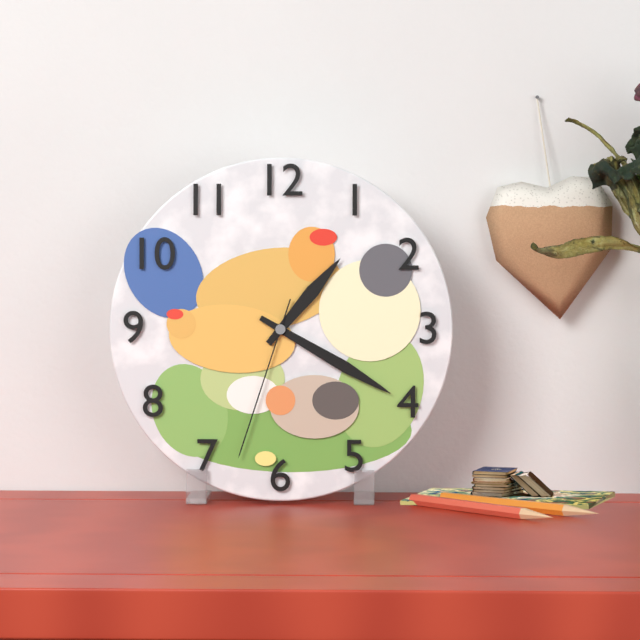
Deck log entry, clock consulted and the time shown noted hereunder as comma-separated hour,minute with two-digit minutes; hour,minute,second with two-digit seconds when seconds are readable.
1,20,33
